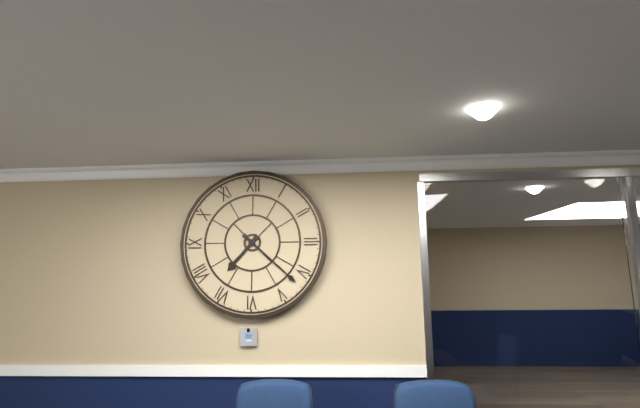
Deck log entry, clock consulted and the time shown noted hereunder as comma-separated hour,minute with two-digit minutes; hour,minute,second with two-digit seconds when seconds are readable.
7,22
